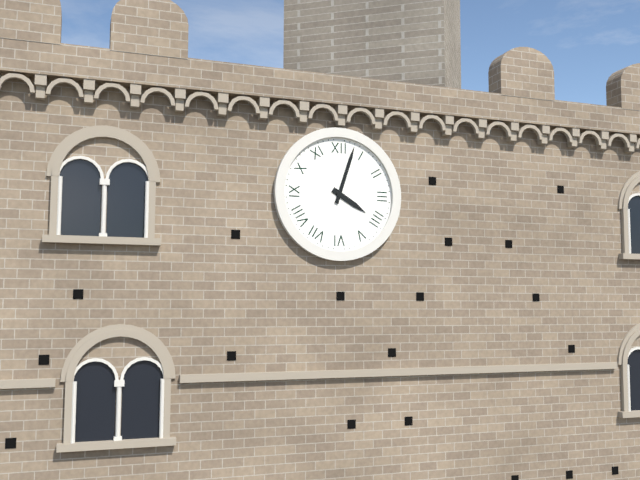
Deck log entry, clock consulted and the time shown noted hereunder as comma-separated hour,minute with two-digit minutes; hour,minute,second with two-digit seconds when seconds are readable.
4,03
